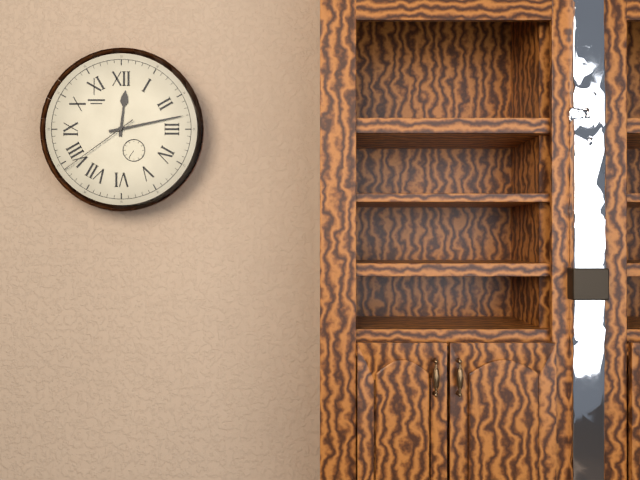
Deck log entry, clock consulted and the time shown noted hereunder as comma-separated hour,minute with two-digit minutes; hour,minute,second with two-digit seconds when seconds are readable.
12,13,39
